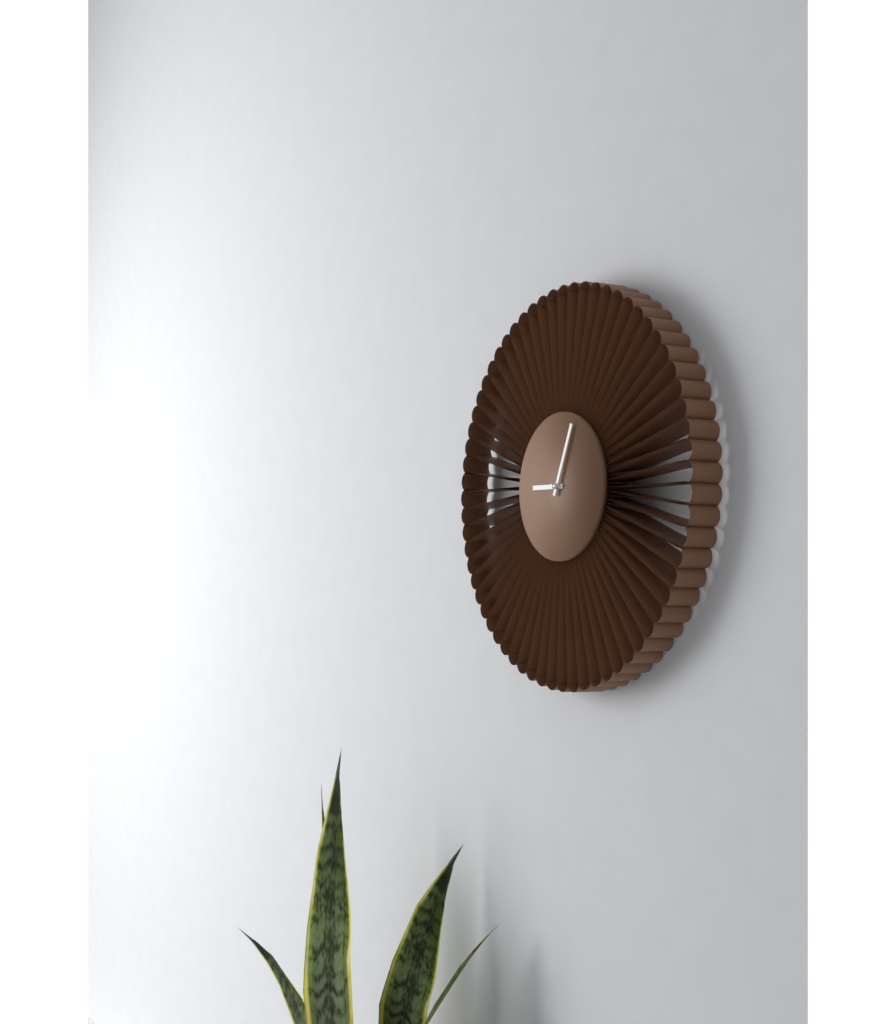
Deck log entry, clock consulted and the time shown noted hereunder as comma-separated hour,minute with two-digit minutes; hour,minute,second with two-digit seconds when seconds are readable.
9,04
